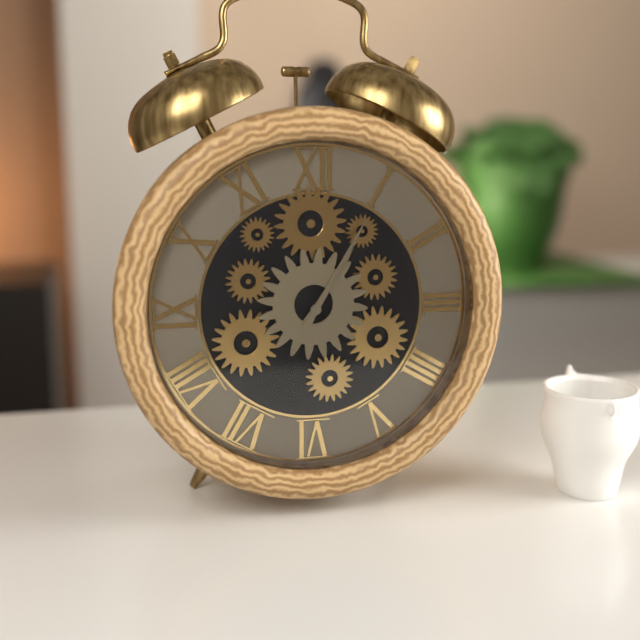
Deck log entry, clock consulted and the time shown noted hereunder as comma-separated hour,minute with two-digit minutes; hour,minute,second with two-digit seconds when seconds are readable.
1,05
